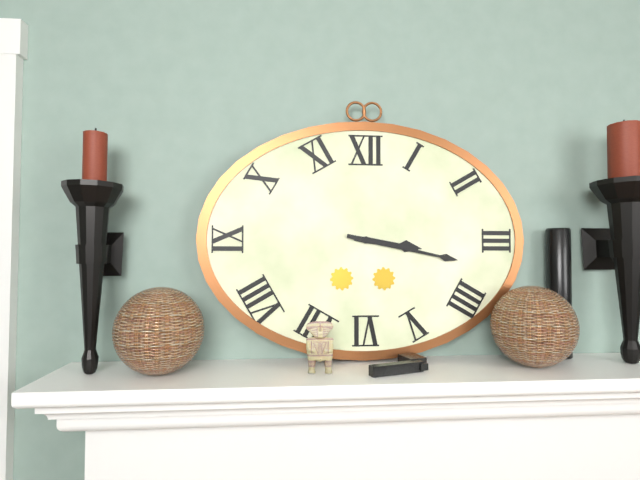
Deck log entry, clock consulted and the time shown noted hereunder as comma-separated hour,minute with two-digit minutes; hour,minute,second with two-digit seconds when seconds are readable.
3,17
